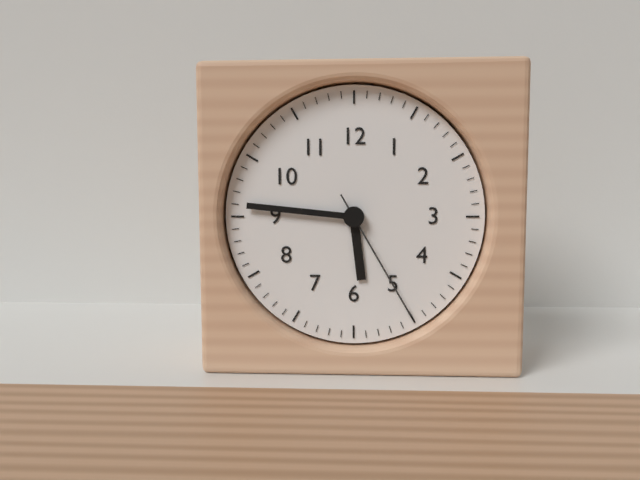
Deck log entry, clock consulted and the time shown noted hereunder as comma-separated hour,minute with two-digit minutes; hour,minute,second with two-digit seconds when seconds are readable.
5,46,25
